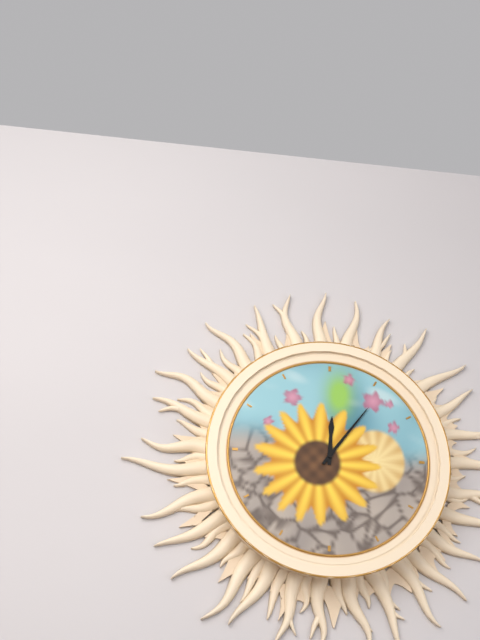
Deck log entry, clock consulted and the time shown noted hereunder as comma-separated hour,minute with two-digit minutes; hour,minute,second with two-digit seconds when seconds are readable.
12,06
